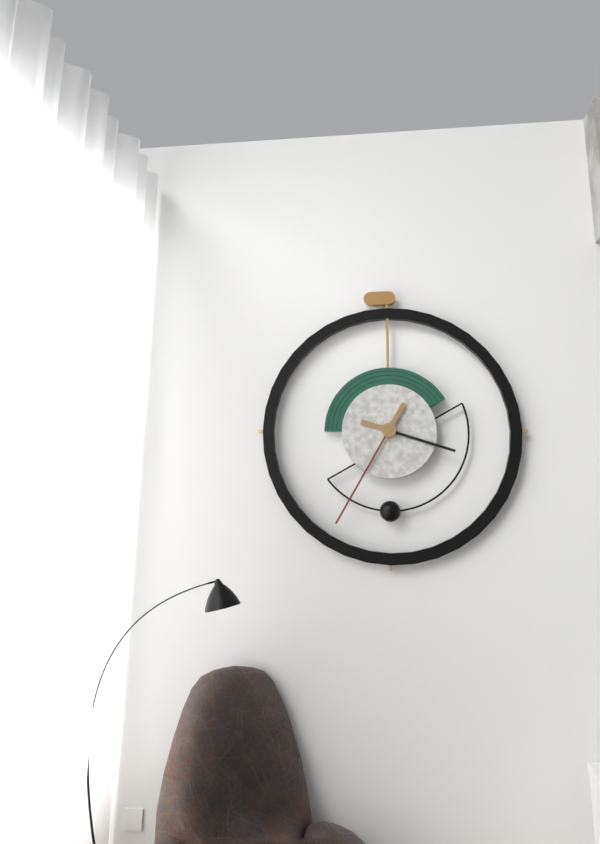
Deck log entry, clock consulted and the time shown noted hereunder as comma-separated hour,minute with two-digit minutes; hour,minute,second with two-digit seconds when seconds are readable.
3,35
